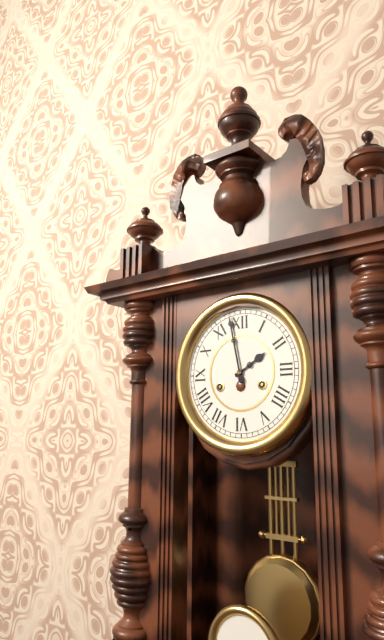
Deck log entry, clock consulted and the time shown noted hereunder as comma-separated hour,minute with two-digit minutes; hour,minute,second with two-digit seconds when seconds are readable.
1,58
